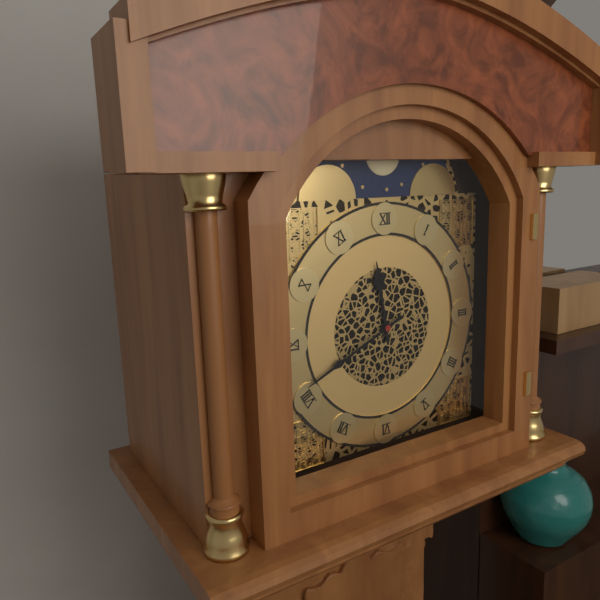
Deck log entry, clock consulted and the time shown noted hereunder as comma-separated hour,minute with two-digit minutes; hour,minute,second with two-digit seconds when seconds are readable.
11,41
